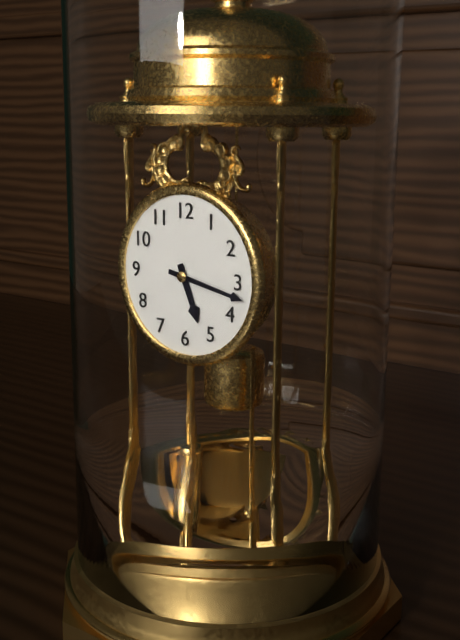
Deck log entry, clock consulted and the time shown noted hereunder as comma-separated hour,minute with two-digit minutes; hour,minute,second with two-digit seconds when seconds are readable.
5,17
